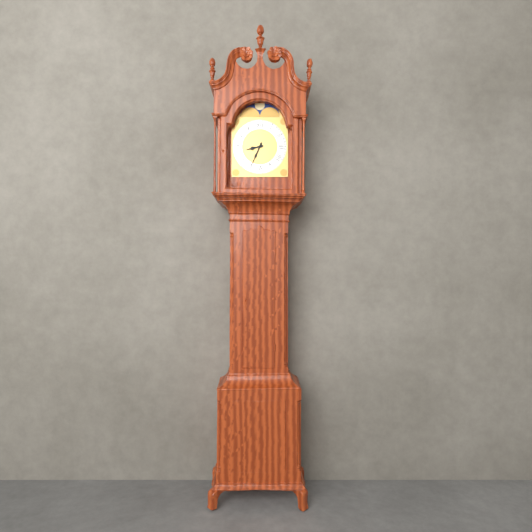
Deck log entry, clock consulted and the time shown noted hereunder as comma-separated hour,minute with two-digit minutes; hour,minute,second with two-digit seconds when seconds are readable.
8,34
